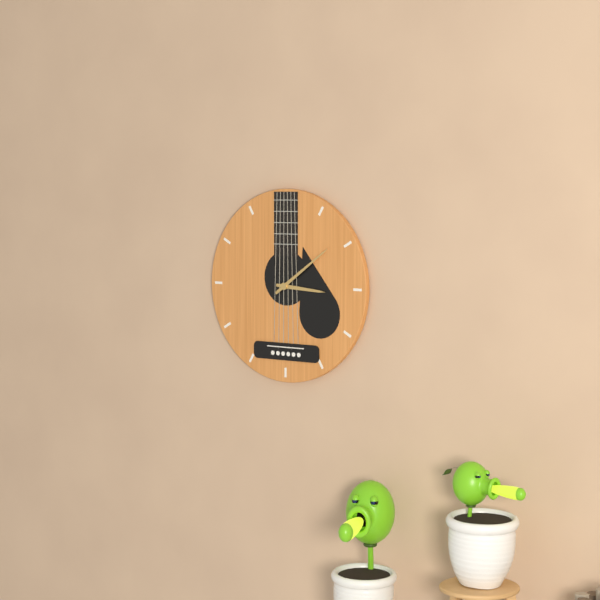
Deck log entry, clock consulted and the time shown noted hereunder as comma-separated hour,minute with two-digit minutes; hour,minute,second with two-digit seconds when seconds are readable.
3,09
